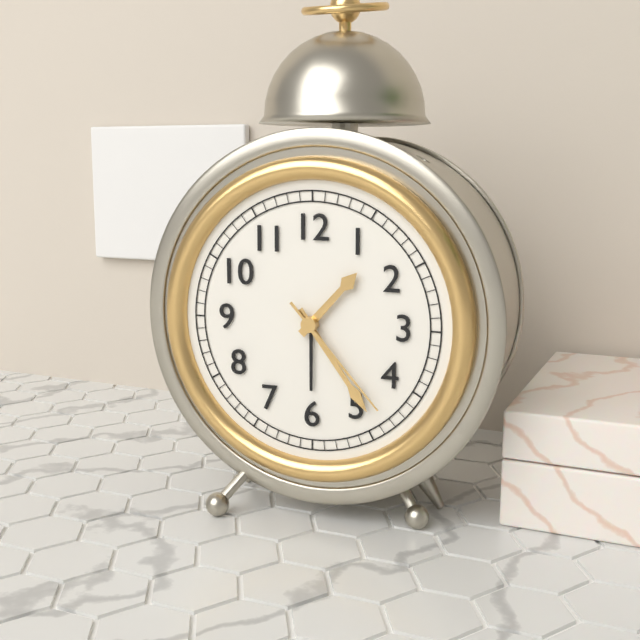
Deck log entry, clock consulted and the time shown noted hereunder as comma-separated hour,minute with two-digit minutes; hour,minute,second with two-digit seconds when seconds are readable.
1,24,23
